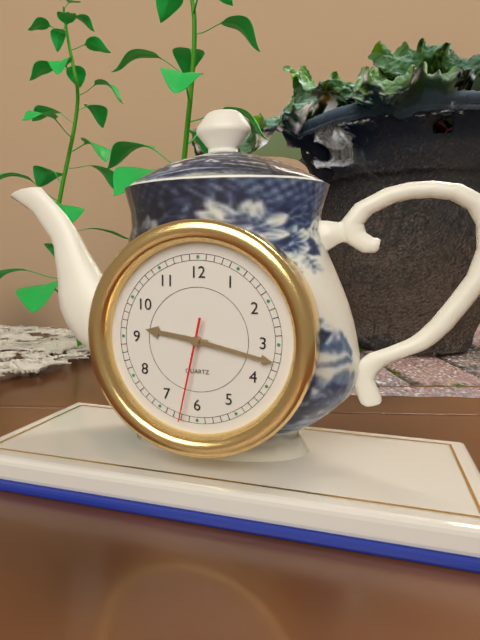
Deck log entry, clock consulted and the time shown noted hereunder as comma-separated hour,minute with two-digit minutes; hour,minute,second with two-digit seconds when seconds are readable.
9,17,32
